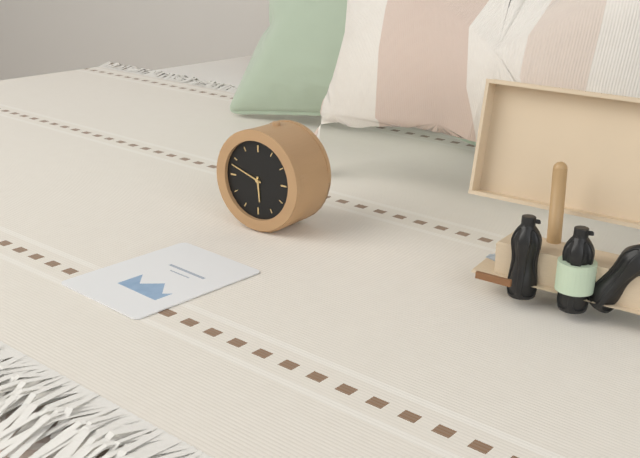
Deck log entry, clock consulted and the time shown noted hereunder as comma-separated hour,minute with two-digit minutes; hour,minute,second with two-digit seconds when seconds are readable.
5,48
